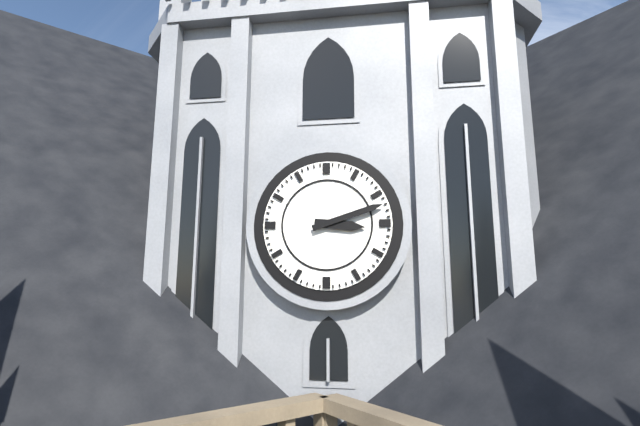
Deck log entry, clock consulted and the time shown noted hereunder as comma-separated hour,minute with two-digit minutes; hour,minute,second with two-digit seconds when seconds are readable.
3,12
